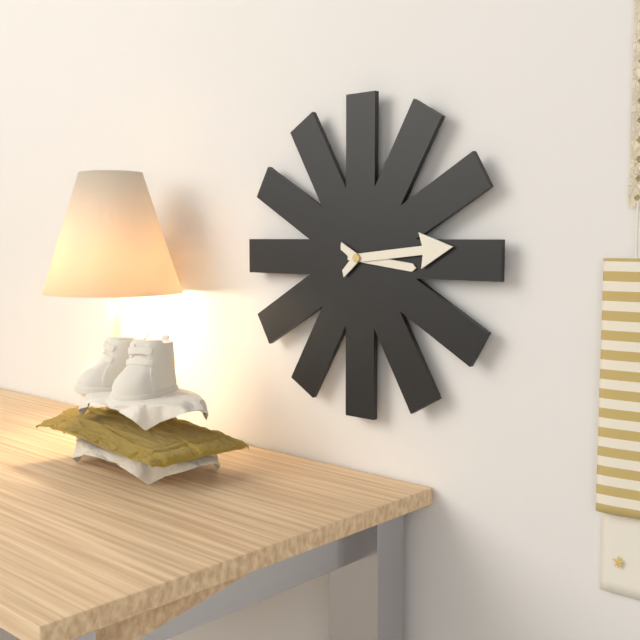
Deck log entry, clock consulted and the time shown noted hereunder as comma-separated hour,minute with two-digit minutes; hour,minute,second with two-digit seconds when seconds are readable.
3,14
